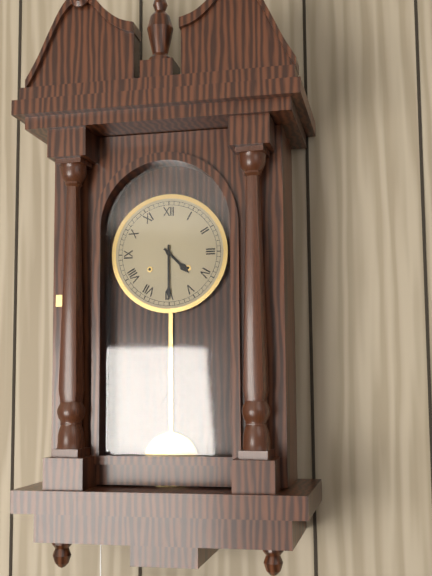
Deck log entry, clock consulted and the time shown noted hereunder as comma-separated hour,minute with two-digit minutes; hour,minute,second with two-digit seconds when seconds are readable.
4,30
